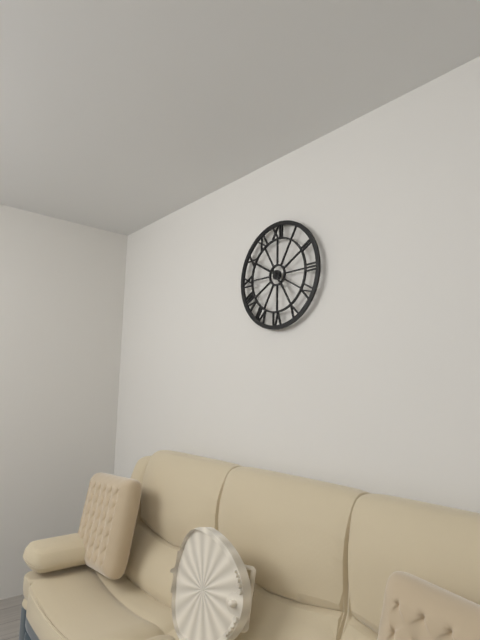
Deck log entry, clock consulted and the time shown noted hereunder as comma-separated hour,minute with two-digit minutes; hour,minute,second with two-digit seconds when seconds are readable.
4,50
